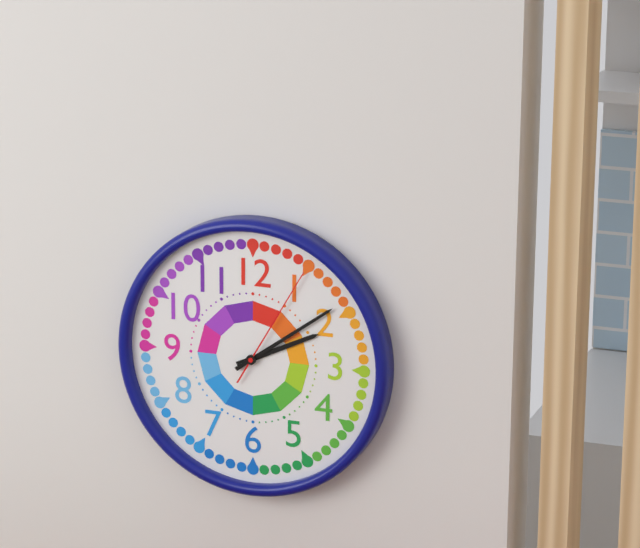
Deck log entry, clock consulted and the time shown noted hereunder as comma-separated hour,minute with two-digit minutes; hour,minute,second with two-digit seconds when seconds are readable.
2,09,05
